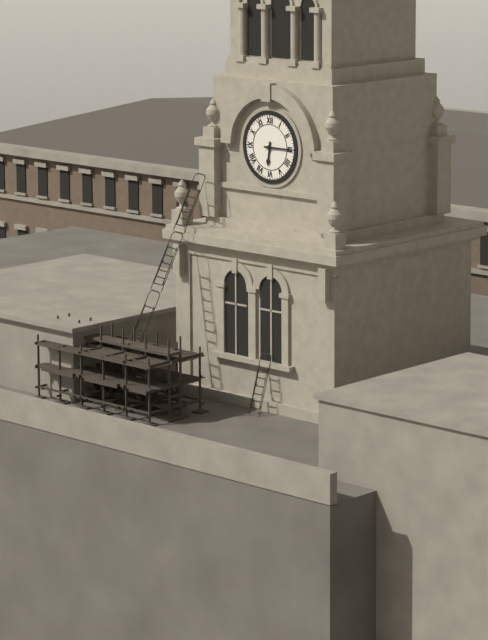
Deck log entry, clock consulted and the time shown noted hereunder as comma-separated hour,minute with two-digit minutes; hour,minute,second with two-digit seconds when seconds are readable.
6,15
